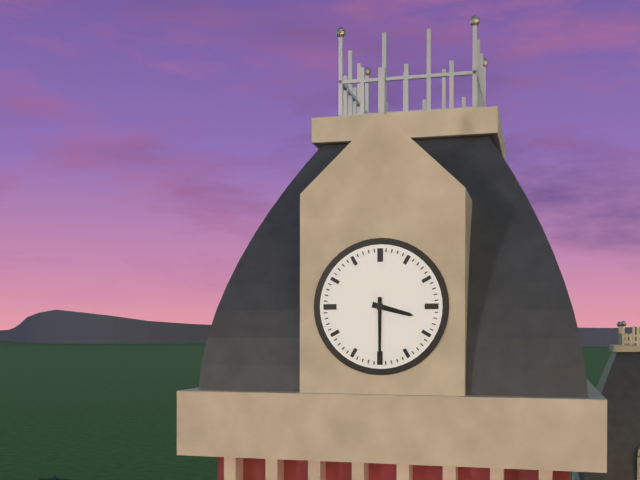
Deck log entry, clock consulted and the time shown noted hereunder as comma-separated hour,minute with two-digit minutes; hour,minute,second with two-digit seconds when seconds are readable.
3,30
